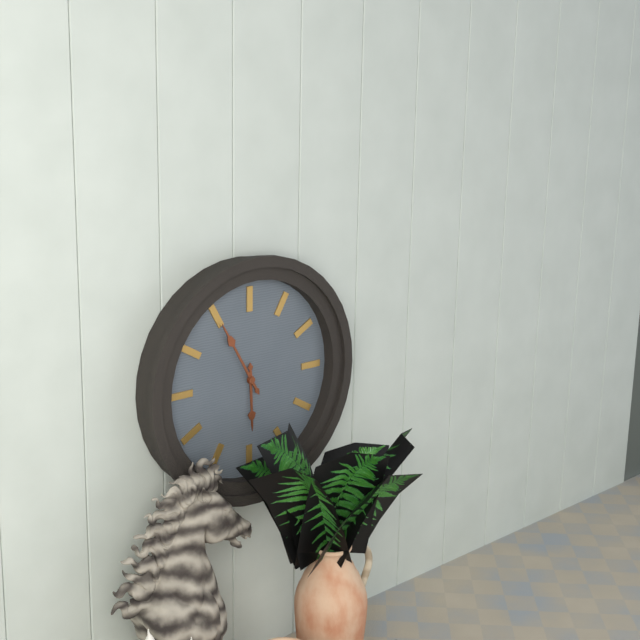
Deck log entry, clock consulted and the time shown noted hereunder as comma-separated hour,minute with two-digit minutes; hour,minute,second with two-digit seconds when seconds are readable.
5,55
